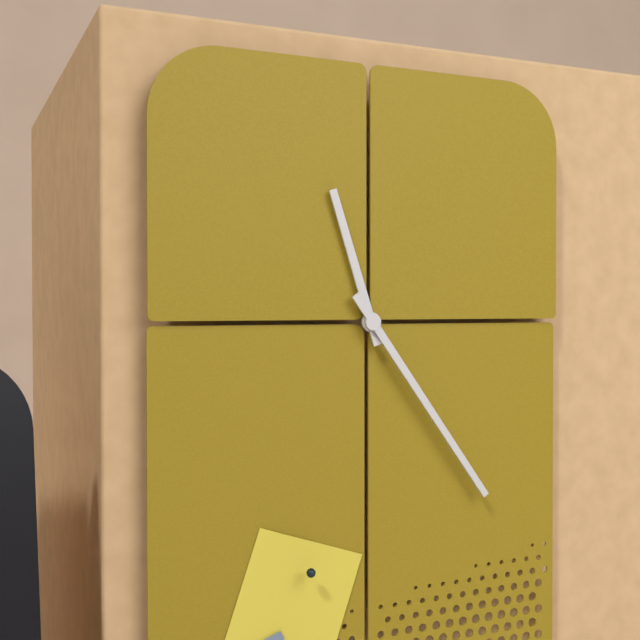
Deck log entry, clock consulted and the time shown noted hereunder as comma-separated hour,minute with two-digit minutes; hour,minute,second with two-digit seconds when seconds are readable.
11,24
